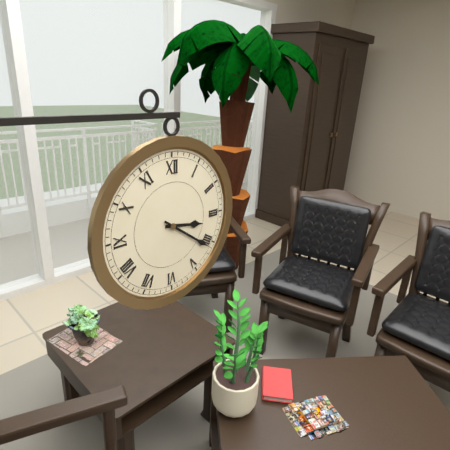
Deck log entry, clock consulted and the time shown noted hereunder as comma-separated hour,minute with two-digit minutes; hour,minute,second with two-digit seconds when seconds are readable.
3,21
